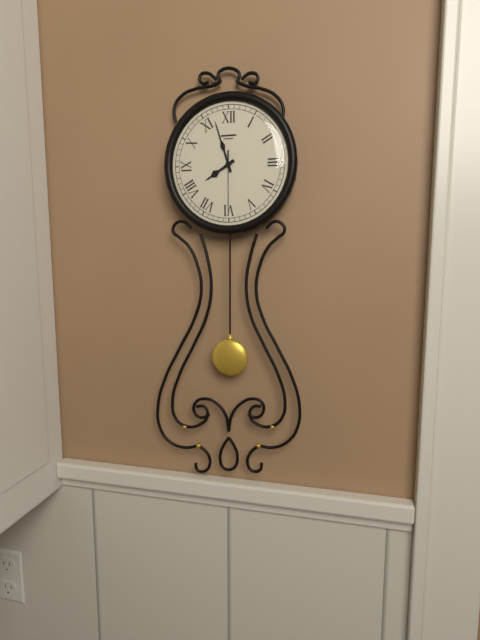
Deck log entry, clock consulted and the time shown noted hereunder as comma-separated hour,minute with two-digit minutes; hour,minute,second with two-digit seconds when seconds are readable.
7,57,30
